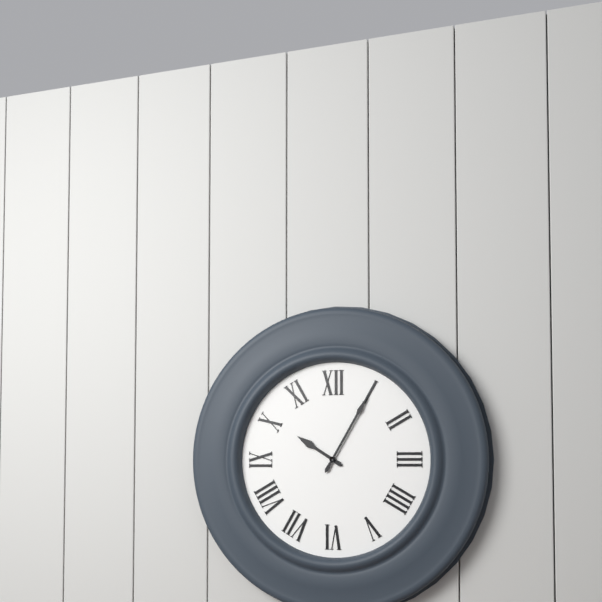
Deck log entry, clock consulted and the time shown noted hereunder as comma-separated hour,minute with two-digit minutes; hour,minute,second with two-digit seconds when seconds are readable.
10,05
